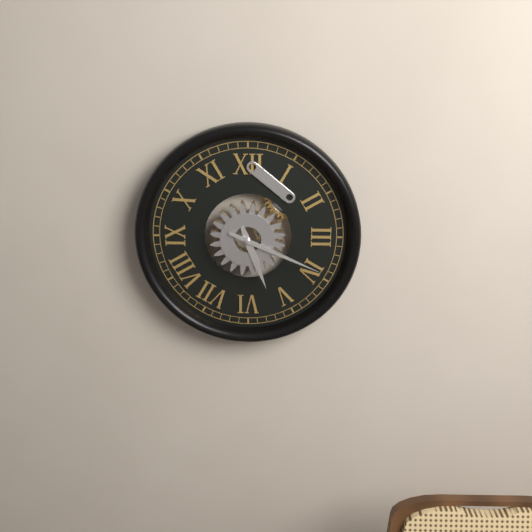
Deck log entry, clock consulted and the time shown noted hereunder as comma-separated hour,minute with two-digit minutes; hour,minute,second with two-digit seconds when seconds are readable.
5,19
